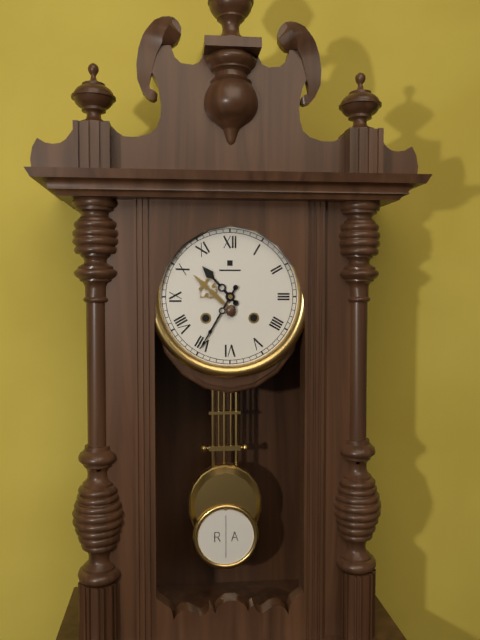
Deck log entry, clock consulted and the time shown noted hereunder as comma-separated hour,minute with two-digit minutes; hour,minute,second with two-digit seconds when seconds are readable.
10,35
